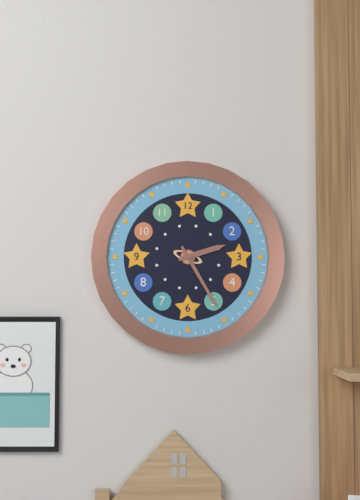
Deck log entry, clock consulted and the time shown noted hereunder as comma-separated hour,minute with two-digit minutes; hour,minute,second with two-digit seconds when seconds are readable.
2,25
